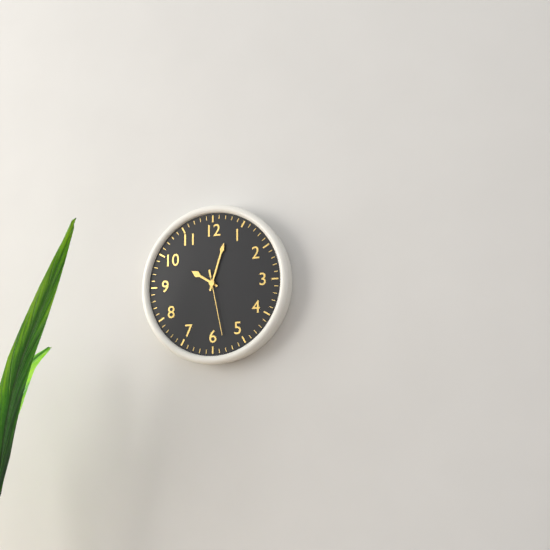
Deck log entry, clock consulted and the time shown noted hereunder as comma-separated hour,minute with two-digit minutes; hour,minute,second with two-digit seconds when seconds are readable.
10,03,28
